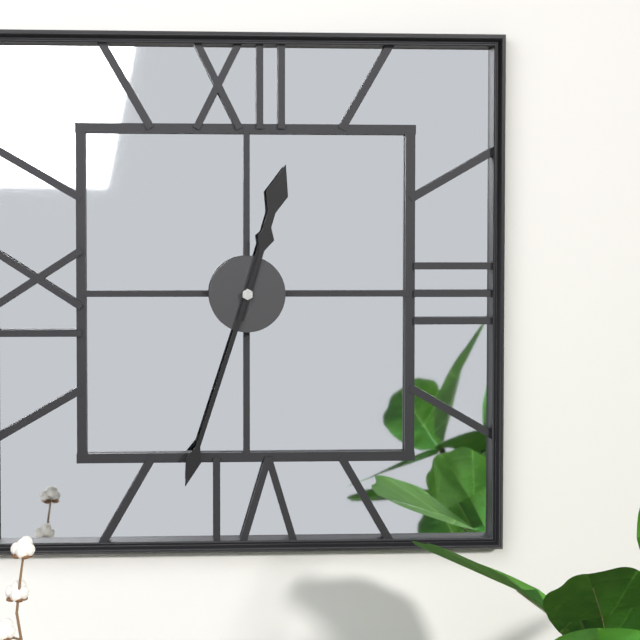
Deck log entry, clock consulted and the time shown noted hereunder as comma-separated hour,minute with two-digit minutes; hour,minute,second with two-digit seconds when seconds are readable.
12,33
